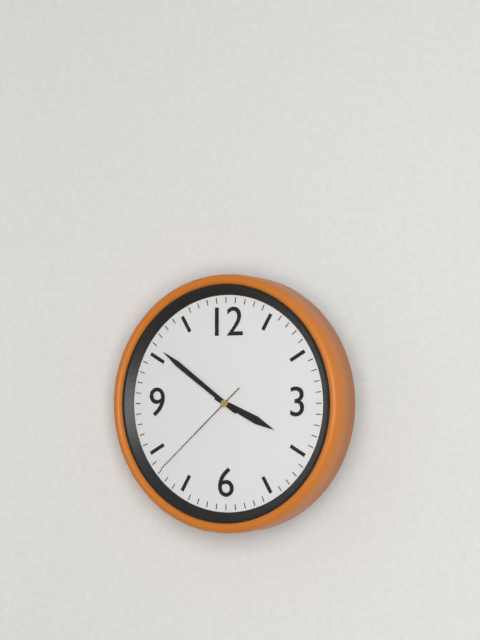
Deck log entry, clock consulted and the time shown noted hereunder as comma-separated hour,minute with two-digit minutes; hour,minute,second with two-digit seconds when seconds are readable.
3,51,38
